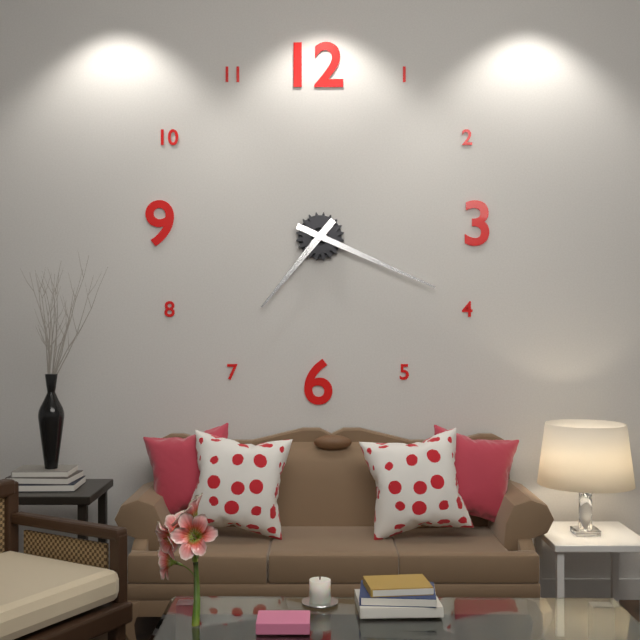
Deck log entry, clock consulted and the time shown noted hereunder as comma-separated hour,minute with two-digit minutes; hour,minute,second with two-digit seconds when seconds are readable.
7,19
